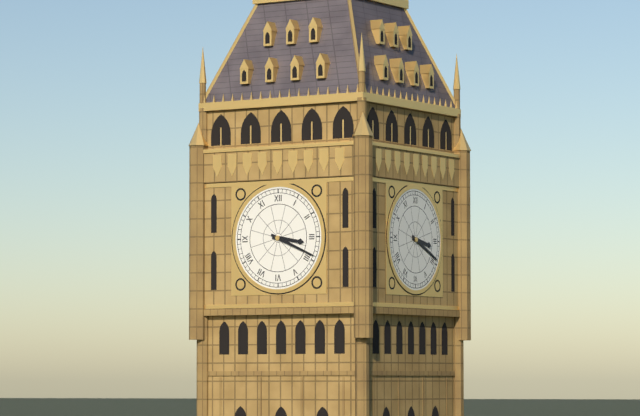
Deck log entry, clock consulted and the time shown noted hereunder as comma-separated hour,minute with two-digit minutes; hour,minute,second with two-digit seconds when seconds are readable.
3,19
